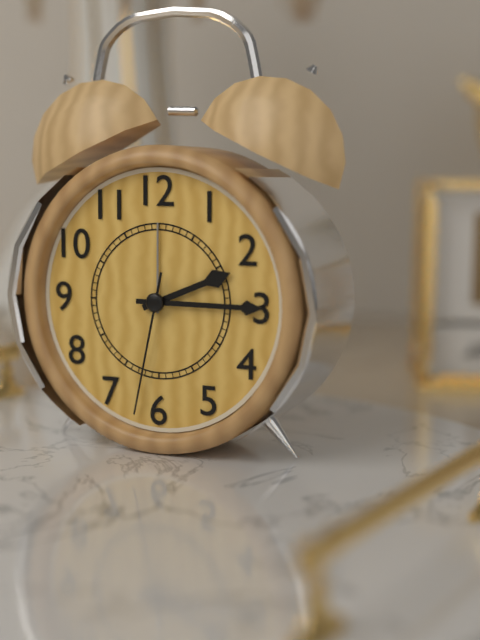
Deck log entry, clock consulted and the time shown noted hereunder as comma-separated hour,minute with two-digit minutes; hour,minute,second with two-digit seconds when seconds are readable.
2,15,32
